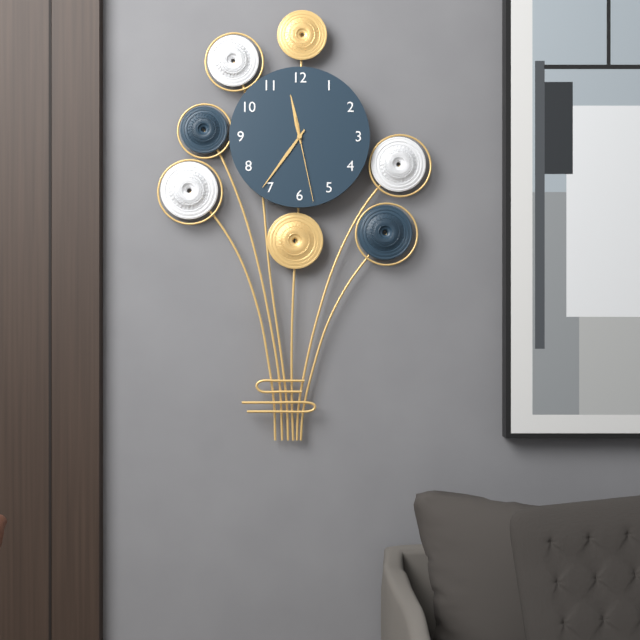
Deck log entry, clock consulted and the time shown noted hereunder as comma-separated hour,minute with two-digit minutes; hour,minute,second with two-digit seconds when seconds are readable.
11,36,28
